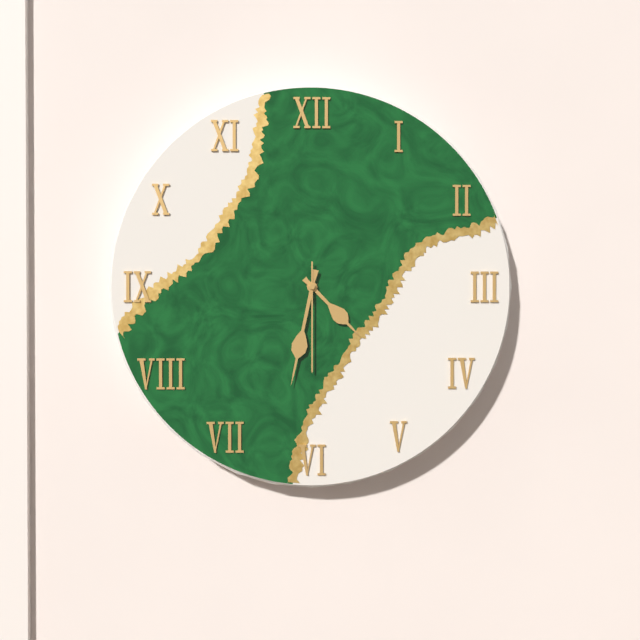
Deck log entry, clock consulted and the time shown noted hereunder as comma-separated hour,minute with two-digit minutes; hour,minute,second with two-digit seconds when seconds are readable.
4,32,30
